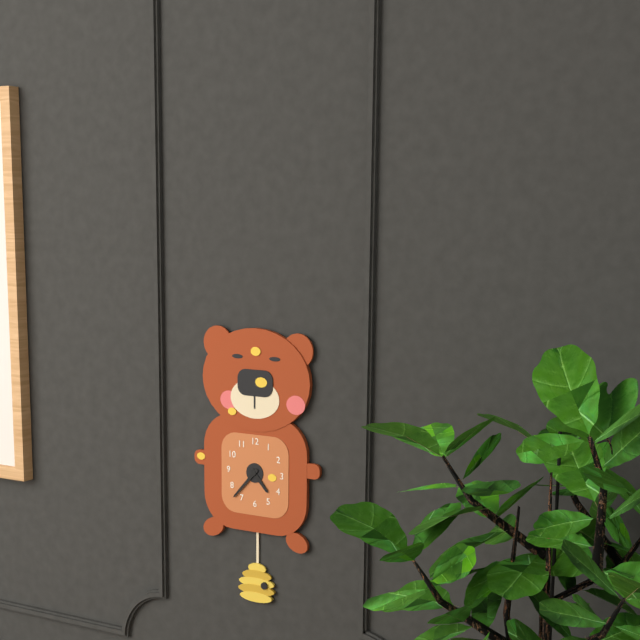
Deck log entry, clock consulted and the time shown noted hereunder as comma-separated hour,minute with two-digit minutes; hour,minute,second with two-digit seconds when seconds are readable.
4,37
